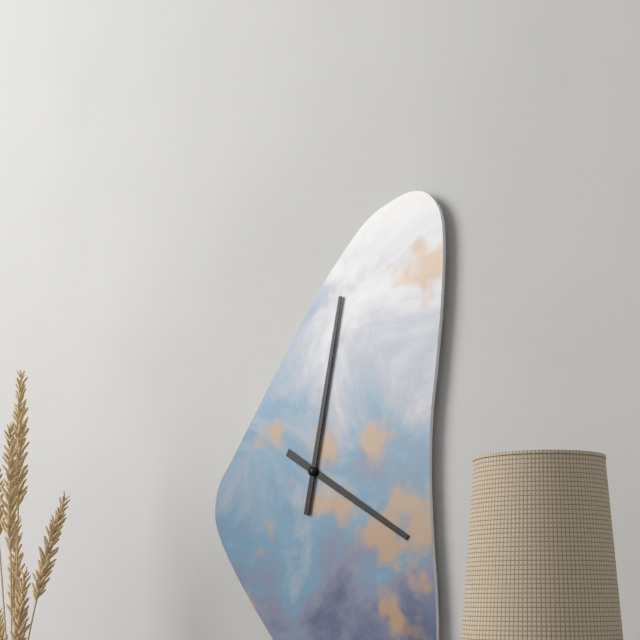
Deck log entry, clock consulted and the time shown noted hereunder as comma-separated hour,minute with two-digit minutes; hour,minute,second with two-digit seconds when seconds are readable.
4,02
